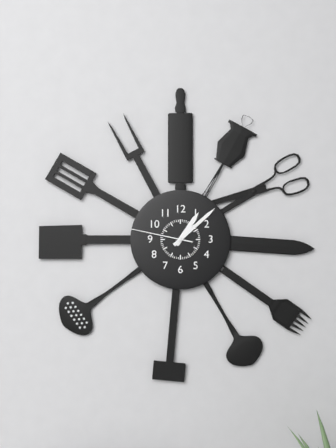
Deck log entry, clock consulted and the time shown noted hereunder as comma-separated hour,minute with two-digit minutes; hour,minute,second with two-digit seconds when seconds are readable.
1,08,47
